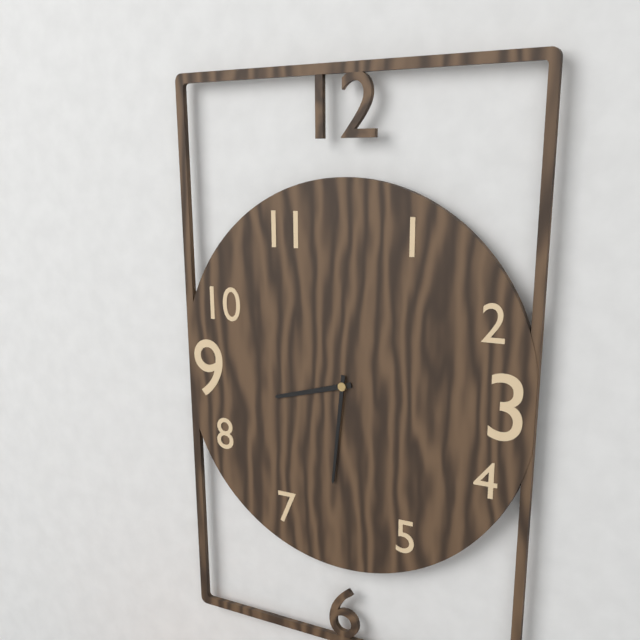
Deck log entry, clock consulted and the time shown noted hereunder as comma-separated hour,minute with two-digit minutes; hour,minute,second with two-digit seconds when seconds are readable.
8,31
